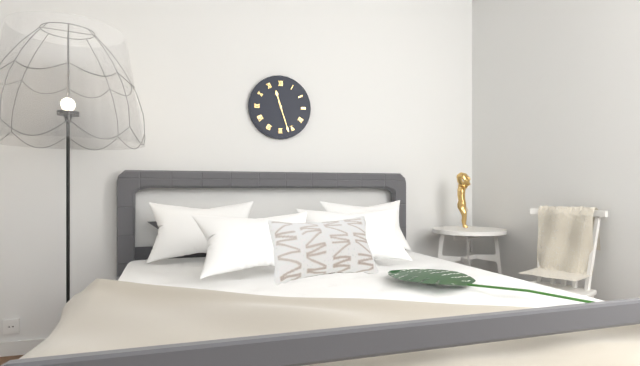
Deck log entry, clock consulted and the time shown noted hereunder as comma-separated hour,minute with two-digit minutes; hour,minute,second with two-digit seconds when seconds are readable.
11,27
